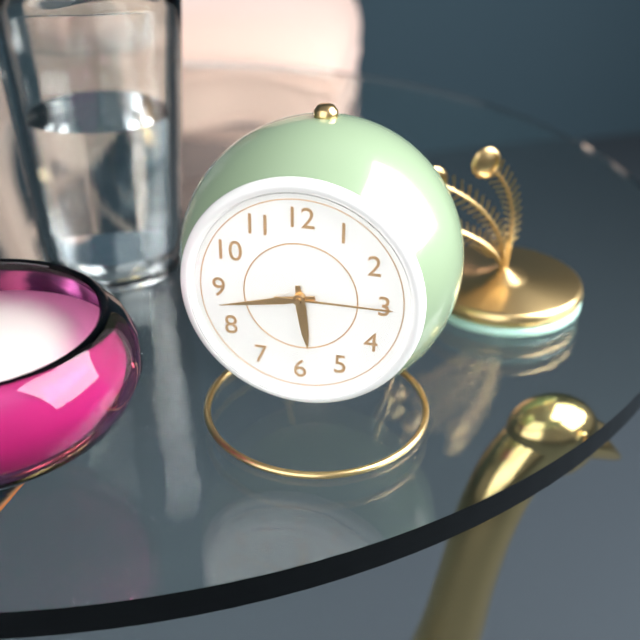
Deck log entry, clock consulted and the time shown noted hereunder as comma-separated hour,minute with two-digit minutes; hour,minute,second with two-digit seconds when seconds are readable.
5,43,15
